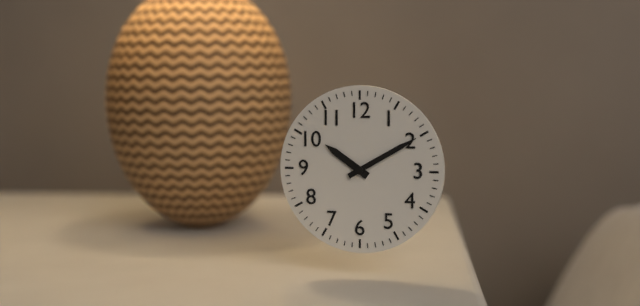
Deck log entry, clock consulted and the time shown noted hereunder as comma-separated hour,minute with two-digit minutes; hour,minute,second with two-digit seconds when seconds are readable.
10,10
